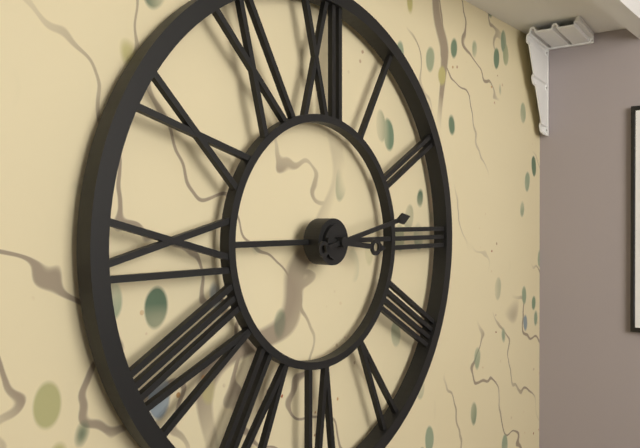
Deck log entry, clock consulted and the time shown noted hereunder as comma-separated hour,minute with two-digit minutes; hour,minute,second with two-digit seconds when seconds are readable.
3,13
